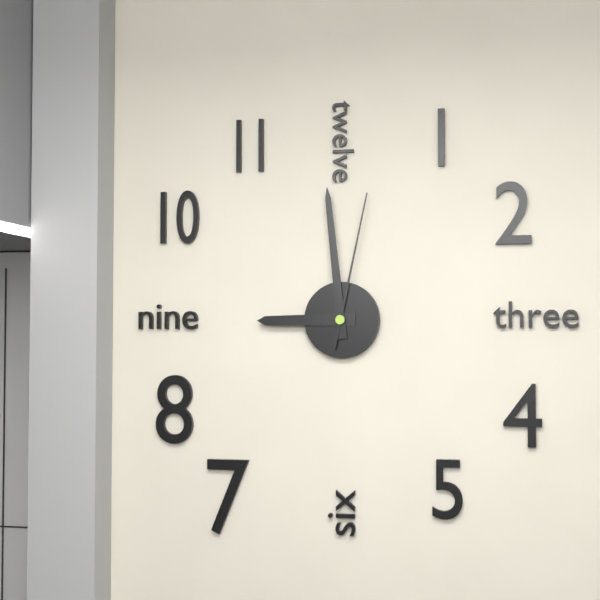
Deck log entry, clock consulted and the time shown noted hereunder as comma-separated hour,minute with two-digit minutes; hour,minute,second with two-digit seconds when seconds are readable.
8,59,02
